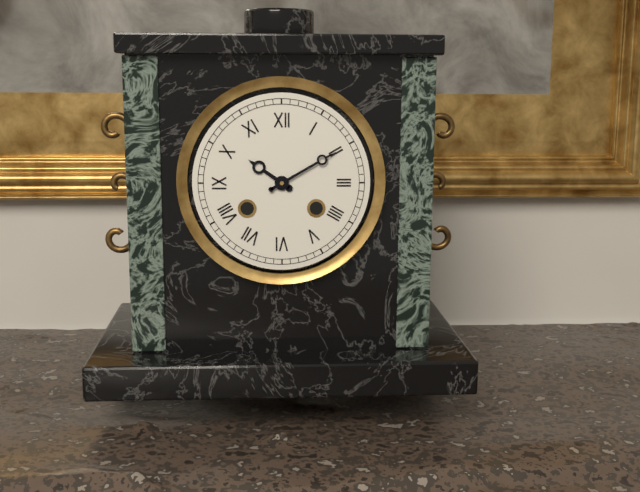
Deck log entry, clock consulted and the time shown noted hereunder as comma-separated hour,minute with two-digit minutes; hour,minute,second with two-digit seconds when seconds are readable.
10,10
